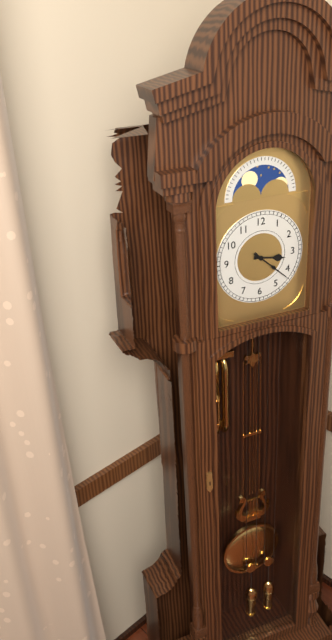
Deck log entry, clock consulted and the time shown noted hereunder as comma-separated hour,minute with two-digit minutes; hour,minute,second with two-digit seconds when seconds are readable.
3,22
